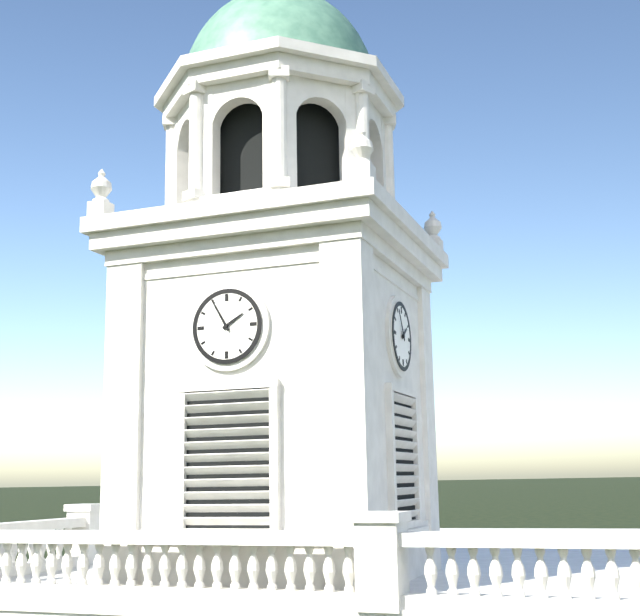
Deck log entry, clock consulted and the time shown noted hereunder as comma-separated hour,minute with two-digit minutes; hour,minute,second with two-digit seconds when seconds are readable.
1,55
